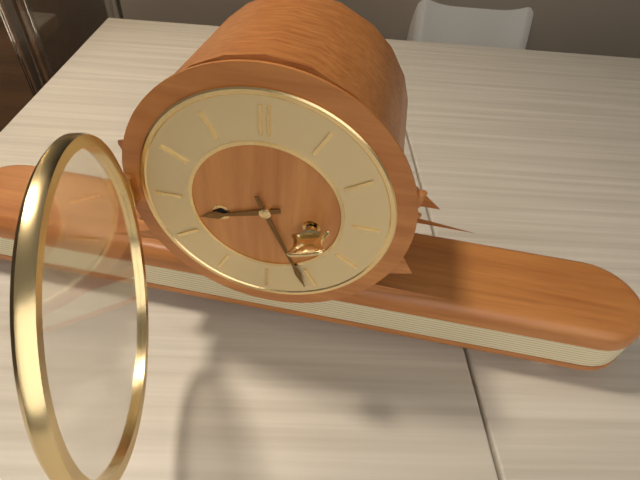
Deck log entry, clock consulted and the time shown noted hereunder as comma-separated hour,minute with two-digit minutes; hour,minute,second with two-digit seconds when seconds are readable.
8,26
